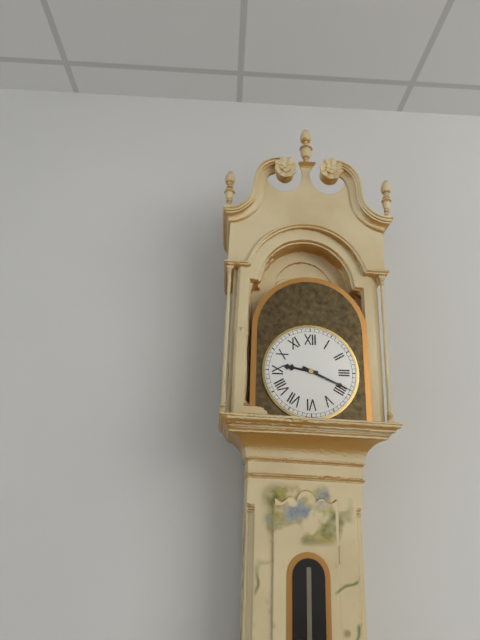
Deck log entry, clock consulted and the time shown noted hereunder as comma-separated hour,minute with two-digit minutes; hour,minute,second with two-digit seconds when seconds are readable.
9,19
